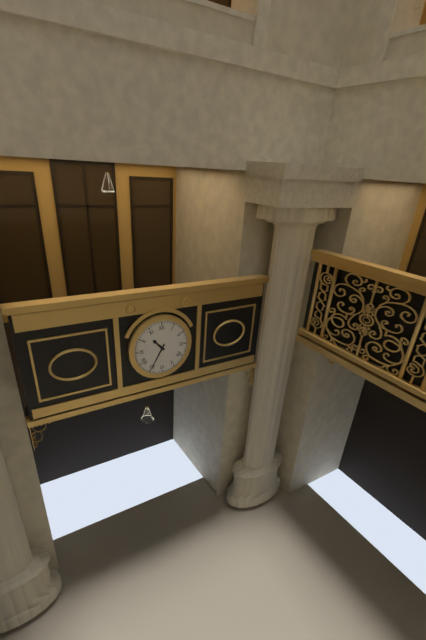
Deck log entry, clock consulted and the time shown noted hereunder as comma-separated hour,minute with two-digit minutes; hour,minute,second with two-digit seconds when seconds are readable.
10,35
